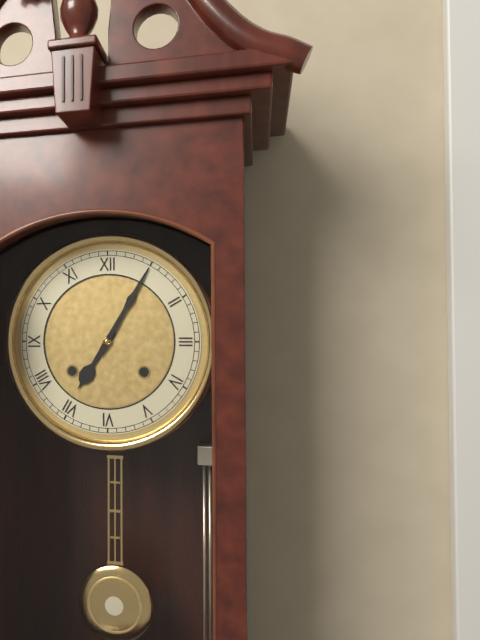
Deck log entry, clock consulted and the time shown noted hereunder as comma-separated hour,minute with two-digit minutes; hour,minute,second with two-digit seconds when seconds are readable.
7,05
